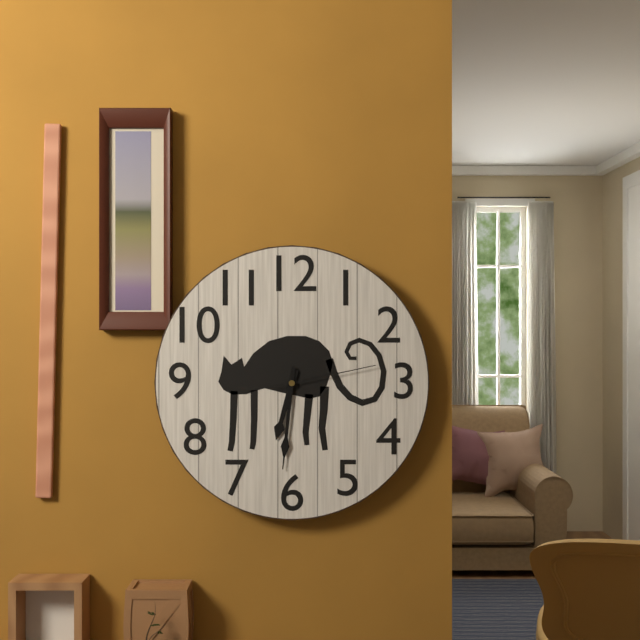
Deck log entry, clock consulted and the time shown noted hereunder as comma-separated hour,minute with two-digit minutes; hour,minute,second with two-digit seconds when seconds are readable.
6,31,13
